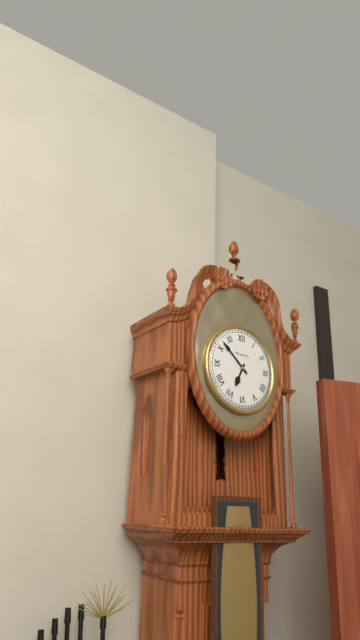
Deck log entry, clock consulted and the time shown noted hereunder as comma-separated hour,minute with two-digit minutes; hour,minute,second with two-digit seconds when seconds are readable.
6,52
